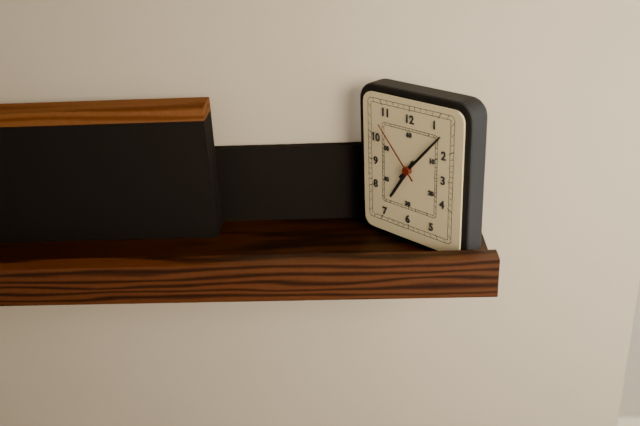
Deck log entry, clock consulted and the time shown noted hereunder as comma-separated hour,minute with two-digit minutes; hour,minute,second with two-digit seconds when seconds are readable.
7,07,53
